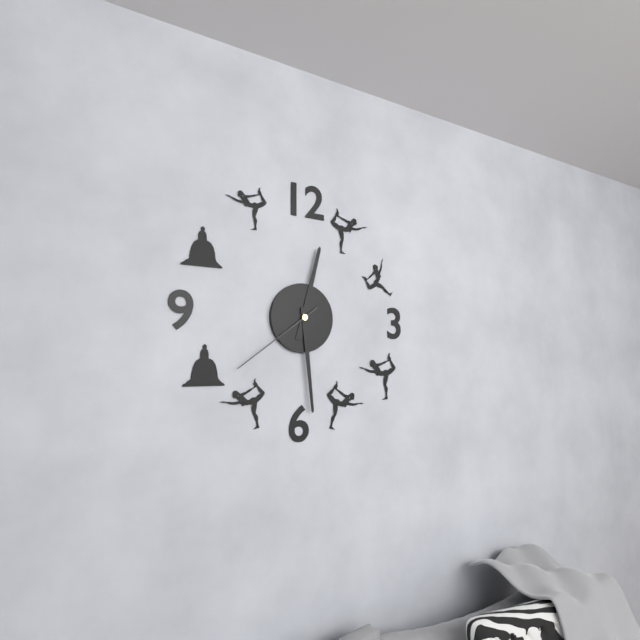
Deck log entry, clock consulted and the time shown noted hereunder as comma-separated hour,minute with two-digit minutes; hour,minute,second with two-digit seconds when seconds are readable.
12,29,39
